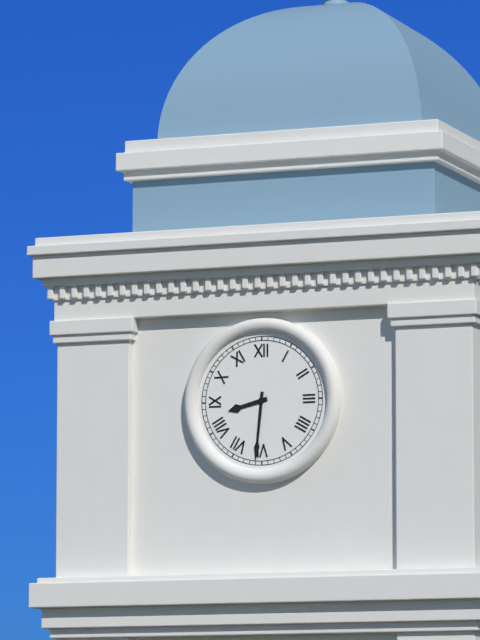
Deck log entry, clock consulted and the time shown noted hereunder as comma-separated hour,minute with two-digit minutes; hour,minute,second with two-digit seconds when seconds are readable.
8,31
